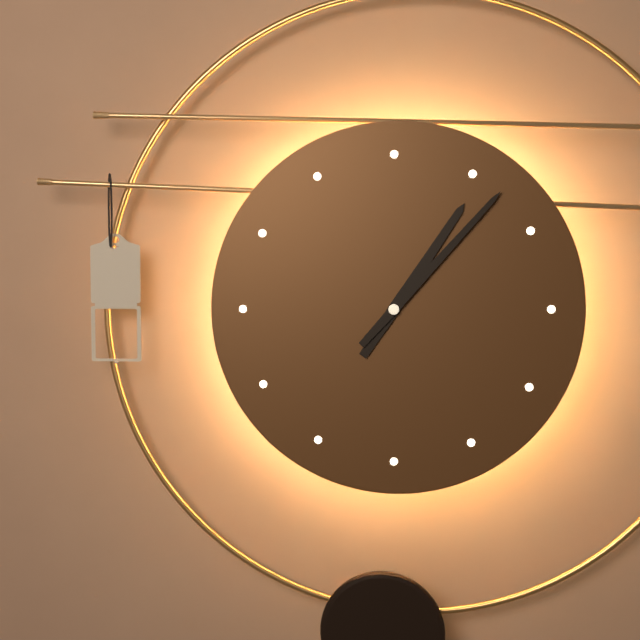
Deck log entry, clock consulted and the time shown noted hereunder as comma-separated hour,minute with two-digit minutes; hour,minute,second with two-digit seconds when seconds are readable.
1,07
